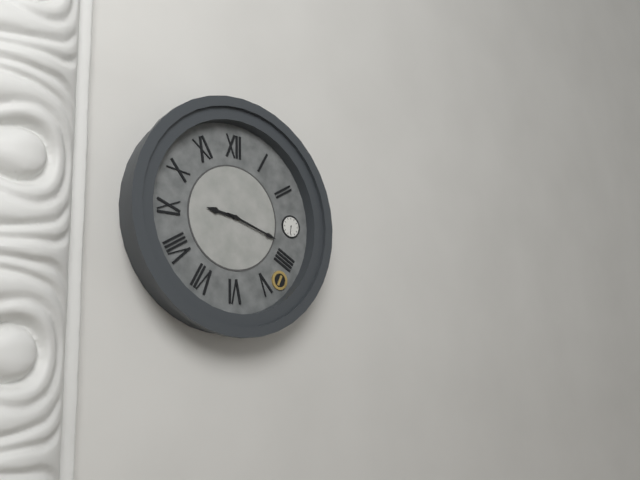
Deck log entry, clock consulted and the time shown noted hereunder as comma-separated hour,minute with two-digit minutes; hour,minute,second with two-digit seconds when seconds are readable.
9,18
